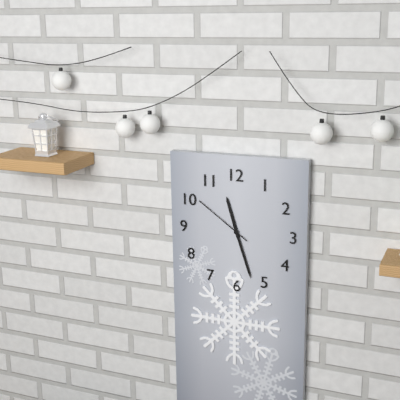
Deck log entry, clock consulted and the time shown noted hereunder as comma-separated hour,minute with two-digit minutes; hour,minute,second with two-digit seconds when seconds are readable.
11,27,51
